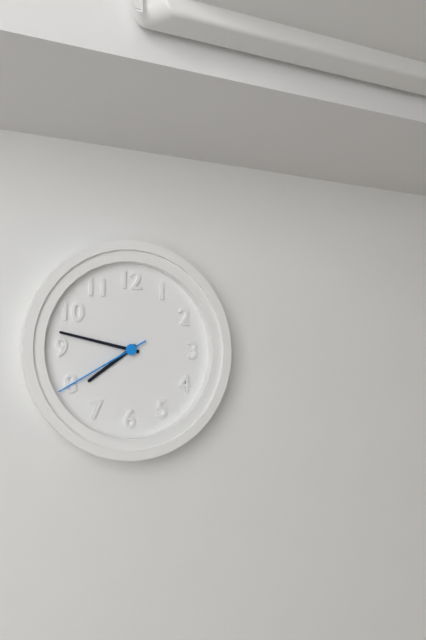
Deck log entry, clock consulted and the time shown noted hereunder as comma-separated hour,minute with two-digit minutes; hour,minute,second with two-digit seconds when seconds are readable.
7,47,40
